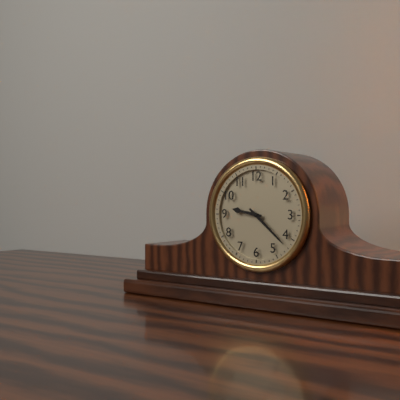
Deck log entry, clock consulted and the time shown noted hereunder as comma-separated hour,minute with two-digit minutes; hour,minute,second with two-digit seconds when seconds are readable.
9,22
